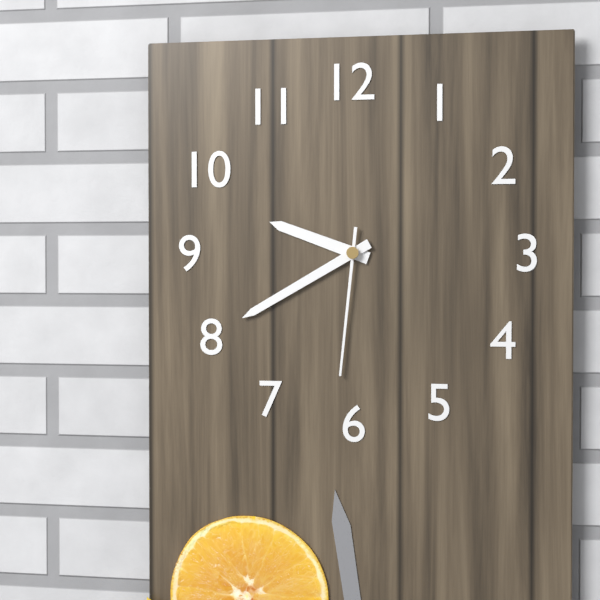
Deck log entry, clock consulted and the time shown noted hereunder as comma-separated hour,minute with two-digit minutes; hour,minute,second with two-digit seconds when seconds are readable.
9,40,31
